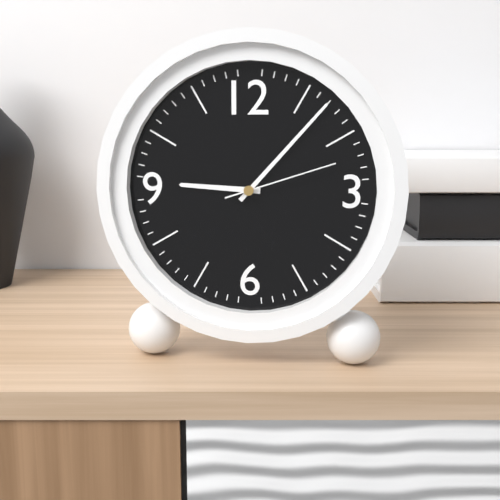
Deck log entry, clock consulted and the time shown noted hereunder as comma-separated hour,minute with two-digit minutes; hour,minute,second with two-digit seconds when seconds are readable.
9,07,12
